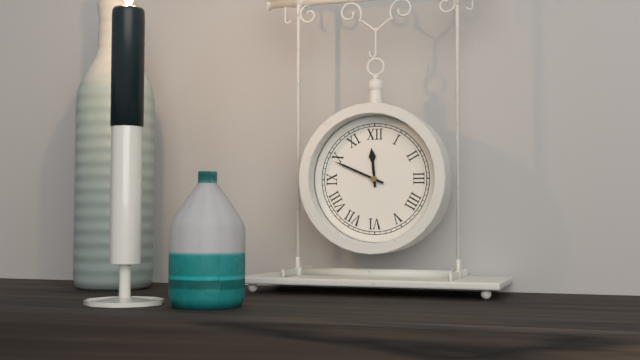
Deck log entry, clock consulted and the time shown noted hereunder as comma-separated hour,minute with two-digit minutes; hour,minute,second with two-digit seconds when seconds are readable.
11,49
